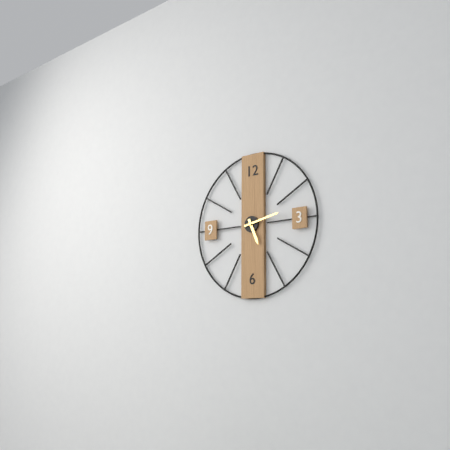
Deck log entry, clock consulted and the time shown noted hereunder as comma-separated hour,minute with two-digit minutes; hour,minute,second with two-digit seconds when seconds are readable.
5,13
